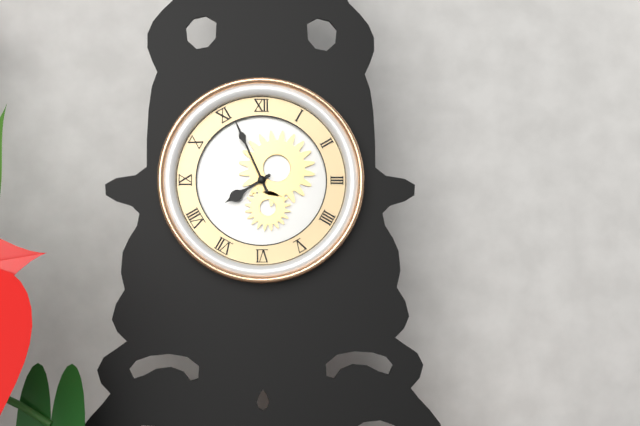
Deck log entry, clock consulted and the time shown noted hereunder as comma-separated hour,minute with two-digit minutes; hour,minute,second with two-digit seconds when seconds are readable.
7,56
